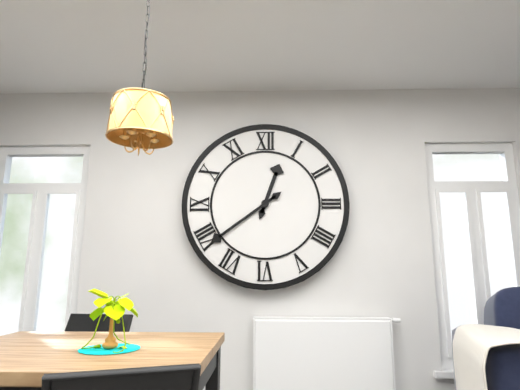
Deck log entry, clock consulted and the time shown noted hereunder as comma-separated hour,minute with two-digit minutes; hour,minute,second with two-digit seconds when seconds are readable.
12,39
